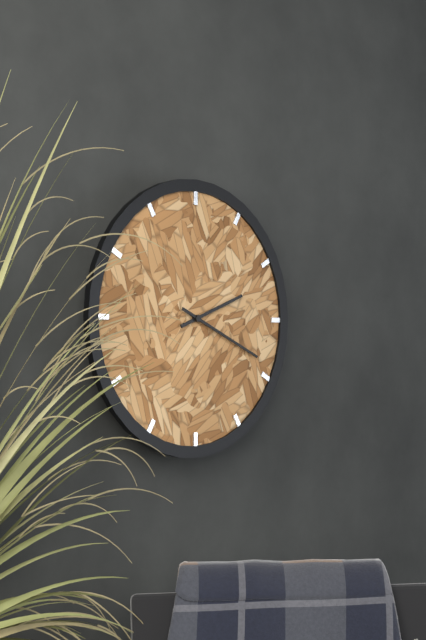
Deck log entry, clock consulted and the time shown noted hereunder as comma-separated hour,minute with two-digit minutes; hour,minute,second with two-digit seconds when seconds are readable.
2,19
